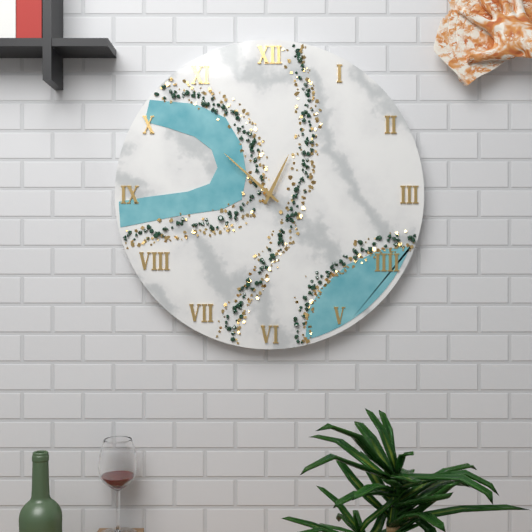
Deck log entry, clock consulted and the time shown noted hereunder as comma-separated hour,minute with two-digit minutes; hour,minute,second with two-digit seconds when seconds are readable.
12,52
